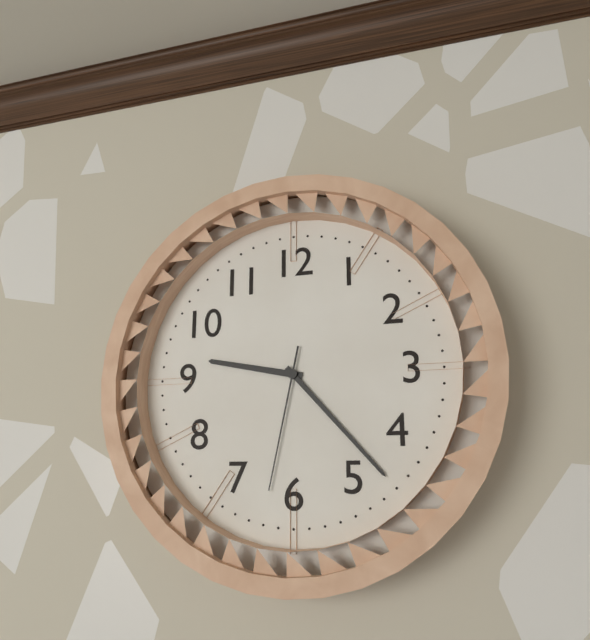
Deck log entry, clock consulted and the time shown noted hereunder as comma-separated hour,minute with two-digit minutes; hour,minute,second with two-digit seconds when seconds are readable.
9,23,32
